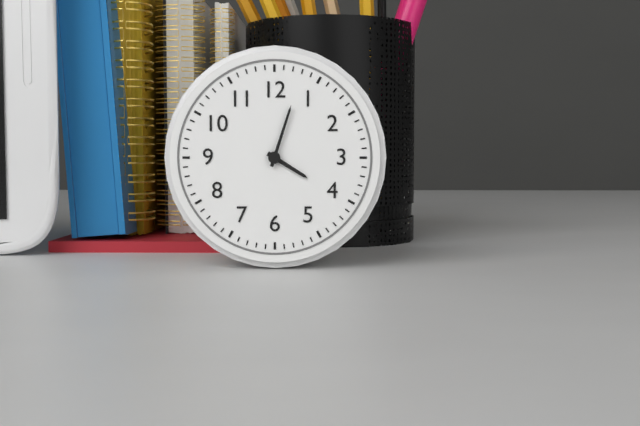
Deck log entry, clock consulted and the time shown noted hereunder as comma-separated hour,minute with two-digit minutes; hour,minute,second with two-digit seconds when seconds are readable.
4,03
